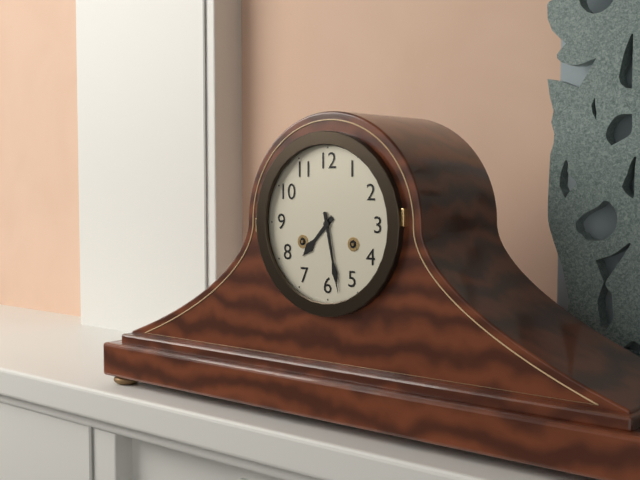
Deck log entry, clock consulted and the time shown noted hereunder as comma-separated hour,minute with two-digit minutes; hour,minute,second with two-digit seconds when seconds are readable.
7,28
